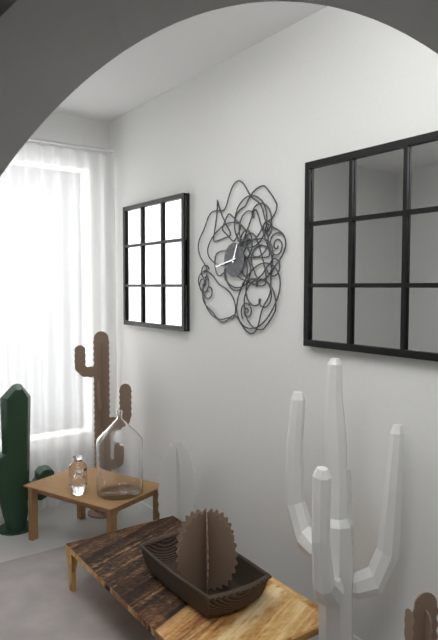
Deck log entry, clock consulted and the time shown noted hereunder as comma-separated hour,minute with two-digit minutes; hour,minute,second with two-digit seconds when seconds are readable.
12,43
